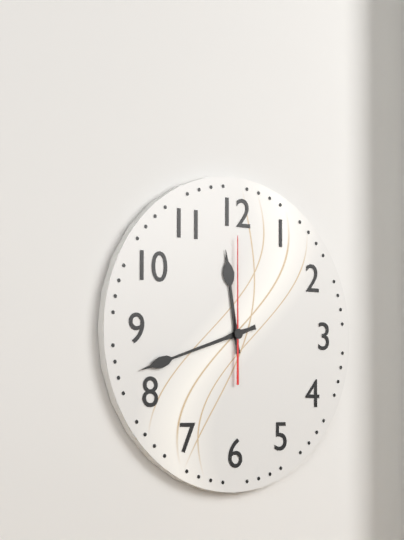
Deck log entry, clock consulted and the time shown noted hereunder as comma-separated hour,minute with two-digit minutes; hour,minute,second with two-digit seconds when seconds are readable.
11,42,00
